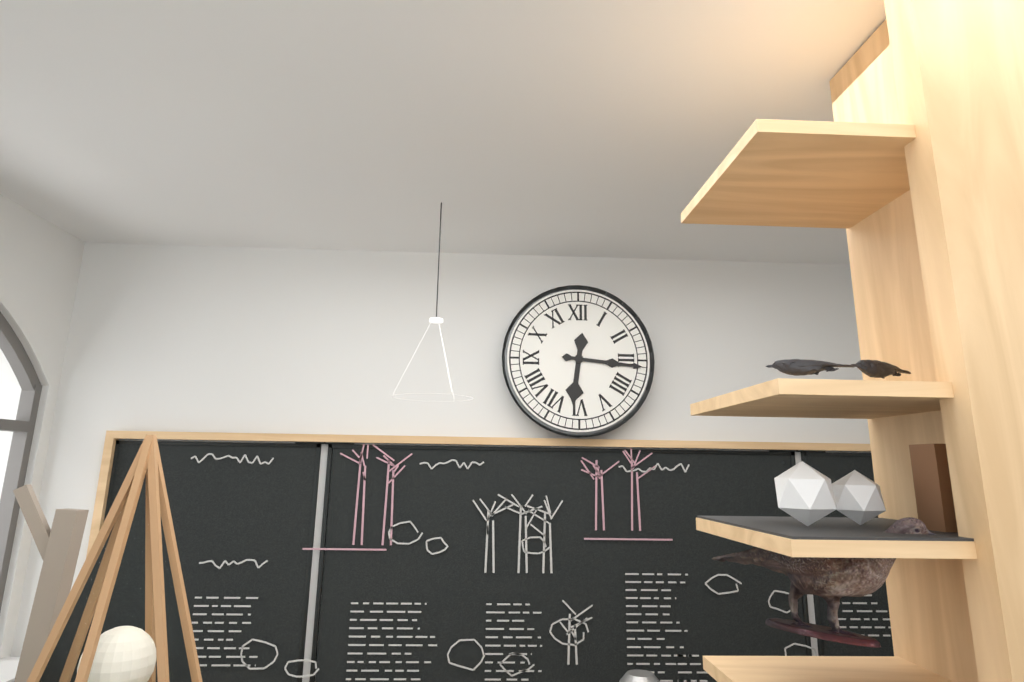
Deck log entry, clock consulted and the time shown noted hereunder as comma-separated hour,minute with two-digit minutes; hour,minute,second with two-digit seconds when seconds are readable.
6,16
